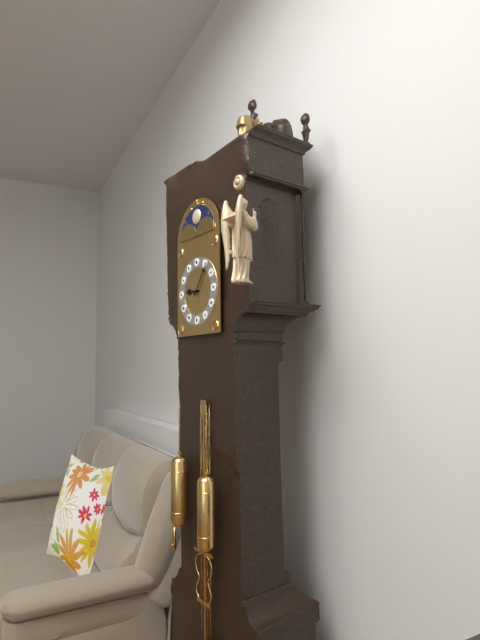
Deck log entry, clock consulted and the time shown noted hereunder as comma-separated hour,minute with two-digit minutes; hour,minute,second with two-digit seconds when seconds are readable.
9,06
